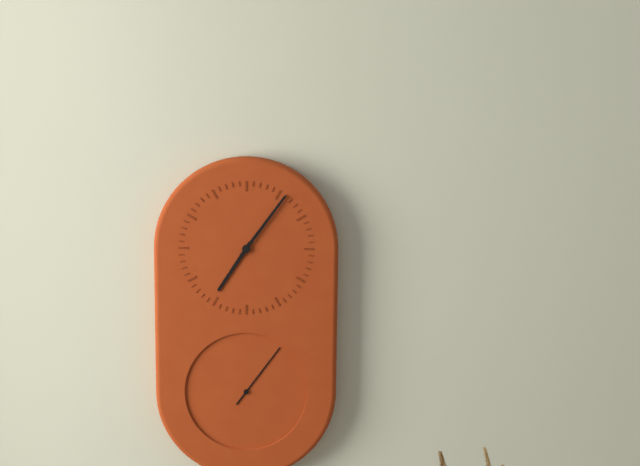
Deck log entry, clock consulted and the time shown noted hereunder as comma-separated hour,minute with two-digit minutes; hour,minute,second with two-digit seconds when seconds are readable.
7,06,06
